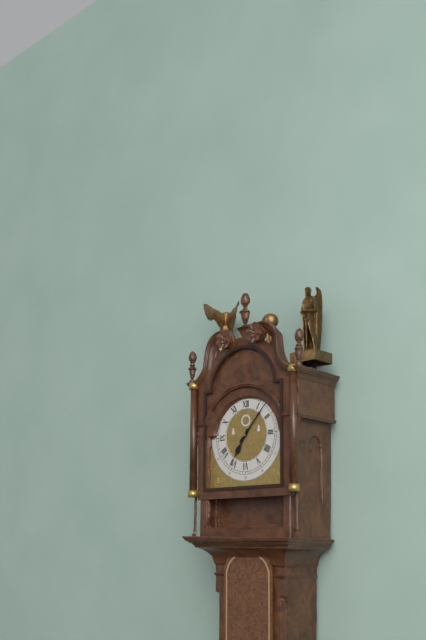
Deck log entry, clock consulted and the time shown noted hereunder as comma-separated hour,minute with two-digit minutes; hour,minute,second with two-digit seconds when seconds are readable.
7,07
